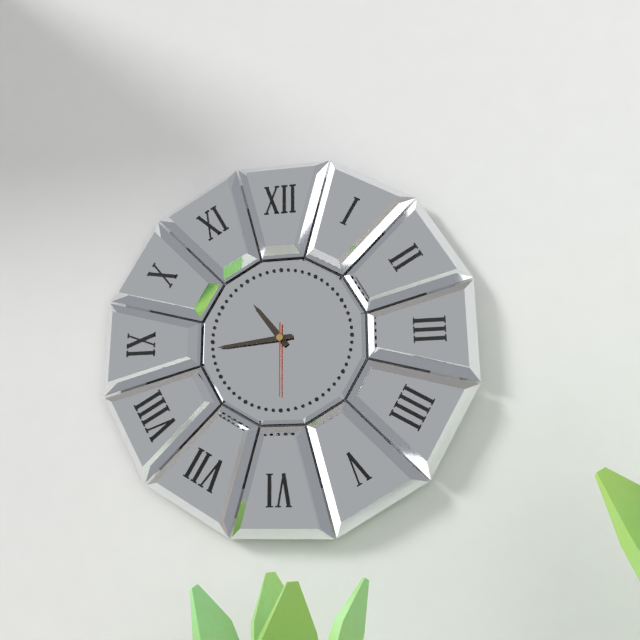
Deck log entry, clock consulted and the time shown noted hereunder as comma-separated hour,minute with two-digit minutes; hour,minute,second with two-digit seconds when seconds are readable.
10,44,30
